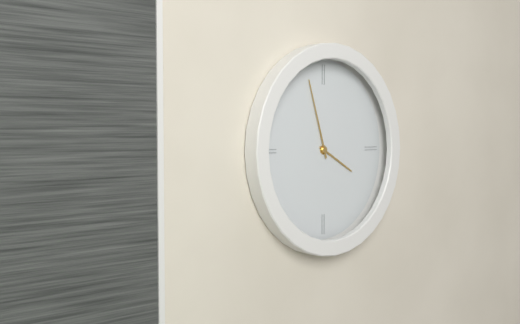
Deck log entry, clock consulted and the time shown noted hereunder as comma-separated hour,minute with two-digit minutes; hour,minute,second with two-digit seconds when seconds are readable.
3,57
